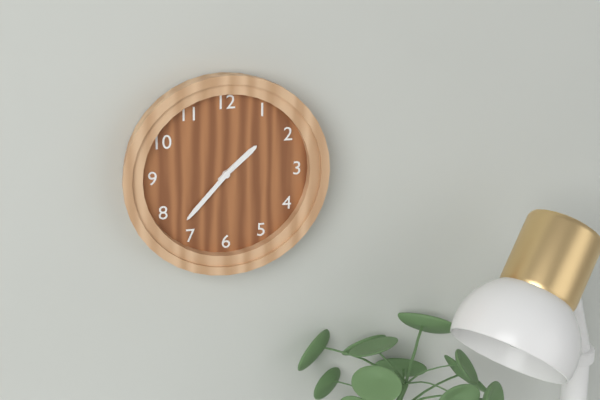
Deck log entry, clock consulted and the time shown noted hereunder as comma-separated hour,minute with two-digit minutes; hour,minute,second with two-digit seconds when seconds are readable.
1,37
